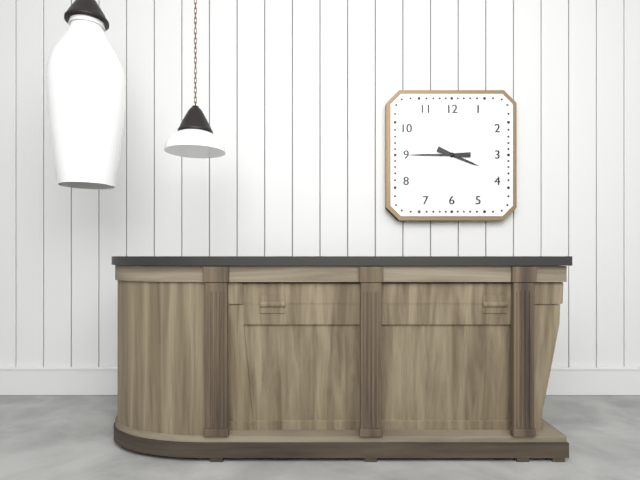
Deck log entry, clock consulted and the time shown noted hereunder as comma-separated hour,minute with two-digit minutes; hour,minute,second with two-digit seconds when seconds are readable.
3,45
